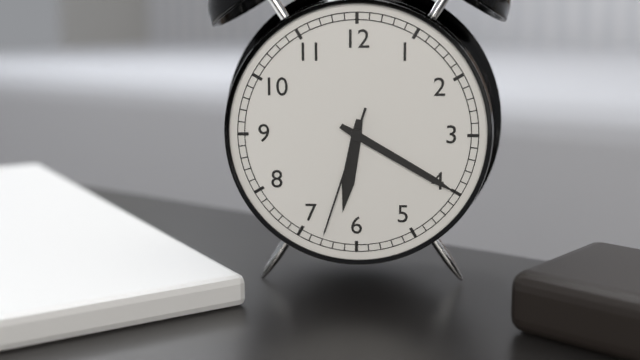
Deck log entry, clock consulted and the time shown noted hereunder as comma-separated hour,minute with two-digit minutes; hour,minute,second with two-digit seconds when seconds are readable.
6,20,33
